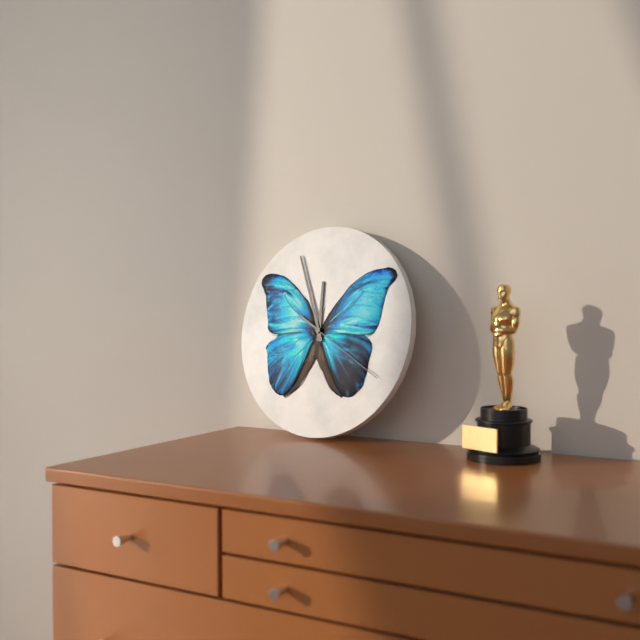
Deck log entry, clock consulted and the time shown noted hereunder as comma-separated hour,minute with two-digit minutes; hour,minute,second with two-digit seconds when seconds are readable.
11,56,20
